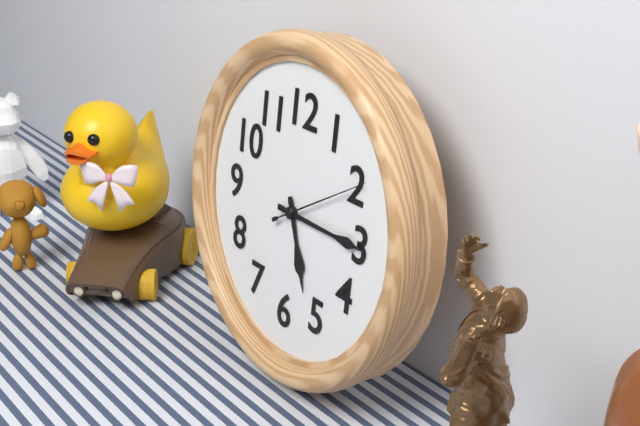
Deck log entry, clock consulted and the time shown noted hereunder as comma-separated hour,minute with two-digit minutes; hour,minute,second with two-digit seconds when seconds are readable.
5,15,10
